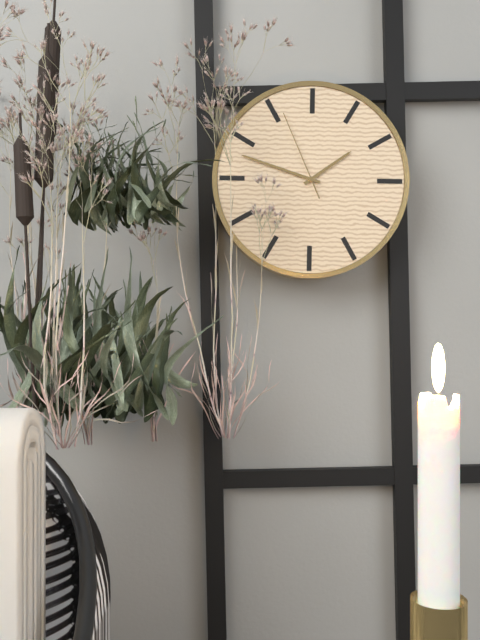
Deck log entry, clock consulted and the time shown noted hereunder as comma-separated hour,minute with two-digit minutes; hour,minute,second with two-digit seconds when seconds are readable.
1,48,56
